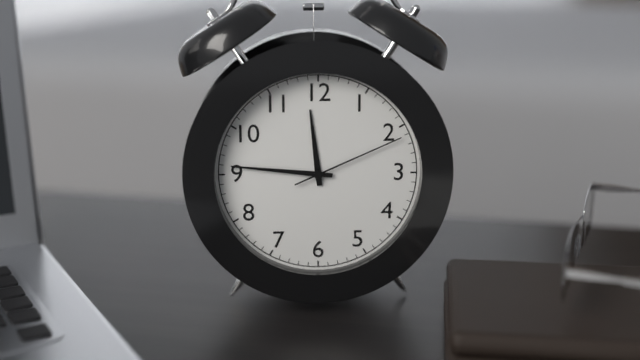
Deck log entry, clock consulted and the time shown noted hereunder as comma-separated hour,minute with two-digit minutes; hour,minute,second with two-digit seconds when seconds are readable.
11,46,11
